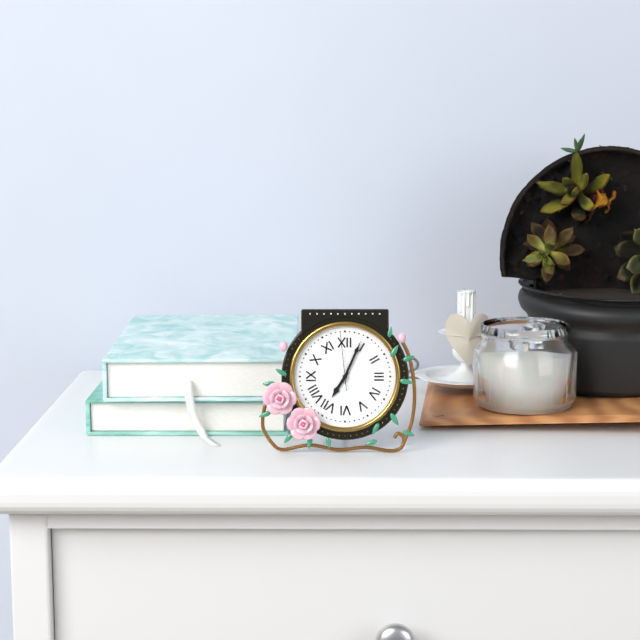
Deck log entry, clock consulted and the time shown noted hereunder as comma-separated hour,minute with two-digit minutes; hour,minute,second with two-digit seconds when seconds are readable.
7,04,59
